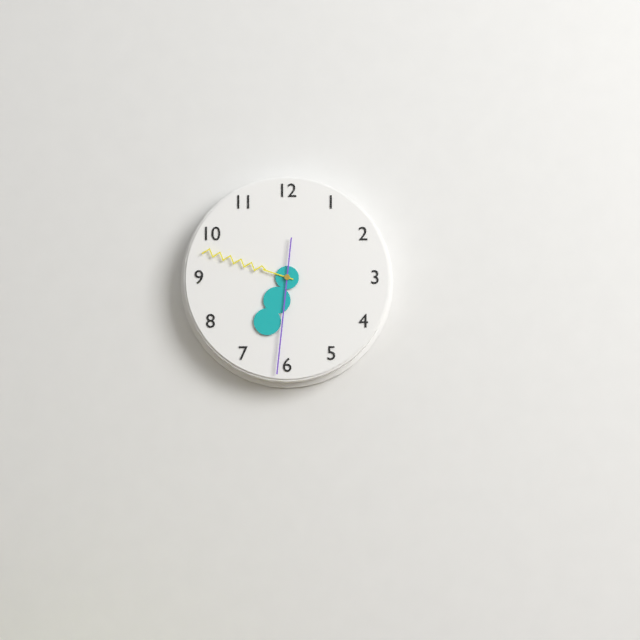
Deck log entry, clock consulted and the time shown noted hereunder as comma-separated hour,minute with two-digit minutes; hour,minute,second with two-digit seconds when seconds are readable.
6,48,31
